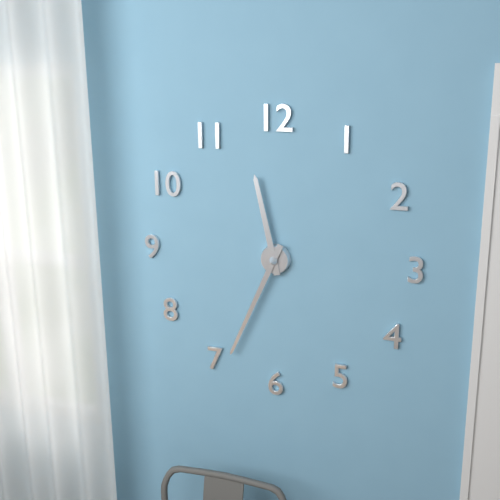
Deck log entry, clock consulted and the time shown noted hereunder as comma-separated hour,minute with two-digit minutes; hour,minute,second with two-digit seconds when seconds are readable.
11,34
